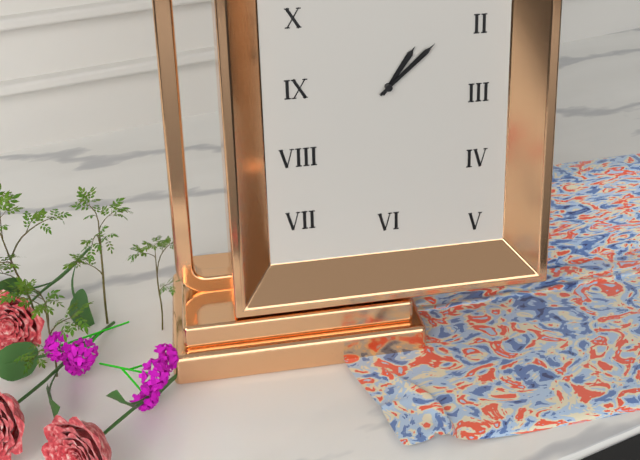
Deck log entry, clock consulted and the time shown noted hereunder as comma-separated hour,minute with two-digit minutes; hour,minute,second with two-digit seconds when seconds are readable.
1,08
